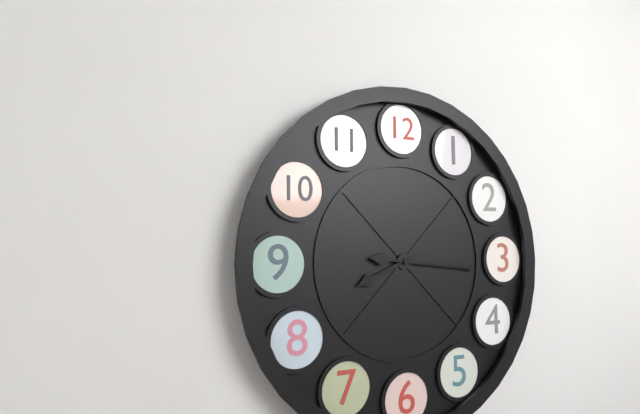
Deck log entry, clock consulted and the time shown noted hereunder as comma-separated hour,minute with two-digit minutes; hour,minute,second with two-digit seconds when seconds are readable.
8,16
